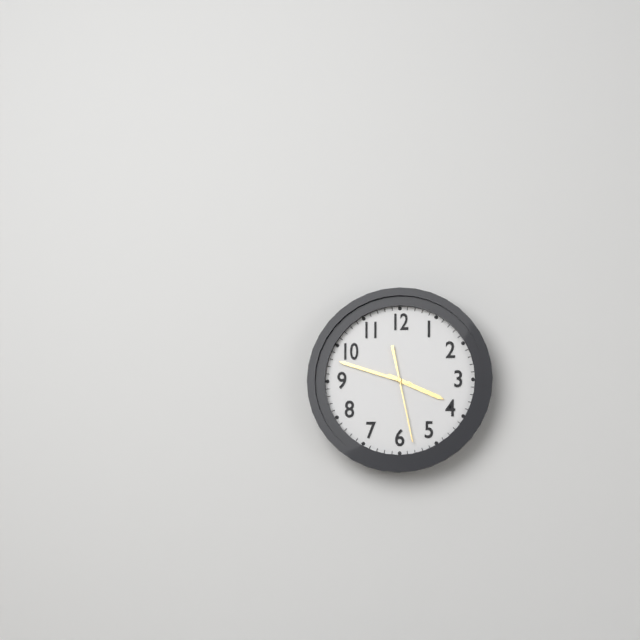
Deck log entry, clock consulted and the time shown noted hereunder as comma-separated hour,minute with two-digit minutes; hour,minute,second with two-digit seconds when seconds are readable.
3,48,28
